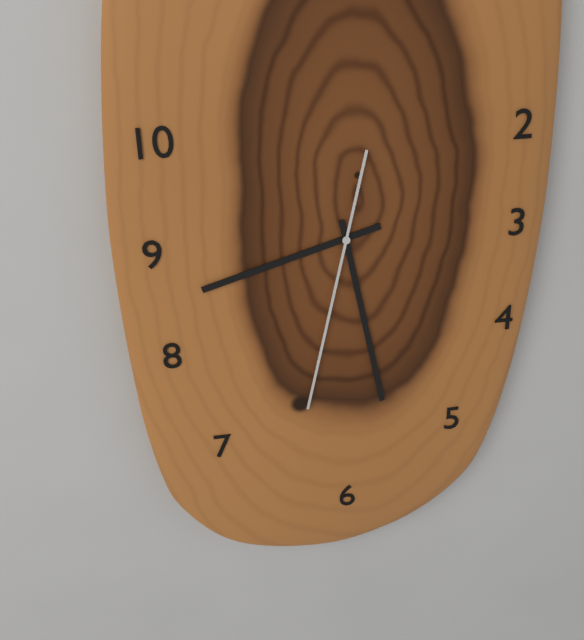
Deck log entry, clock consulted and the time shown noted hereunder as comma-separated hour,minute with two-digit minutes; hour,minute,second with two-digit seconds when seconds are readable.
8,28,32
